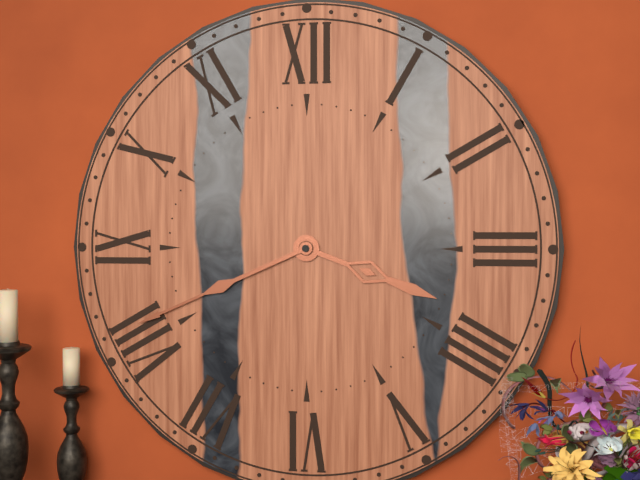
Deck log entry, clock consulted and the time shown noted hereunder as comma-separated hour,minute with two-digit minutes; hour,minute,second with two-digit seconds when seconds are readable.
3,41
